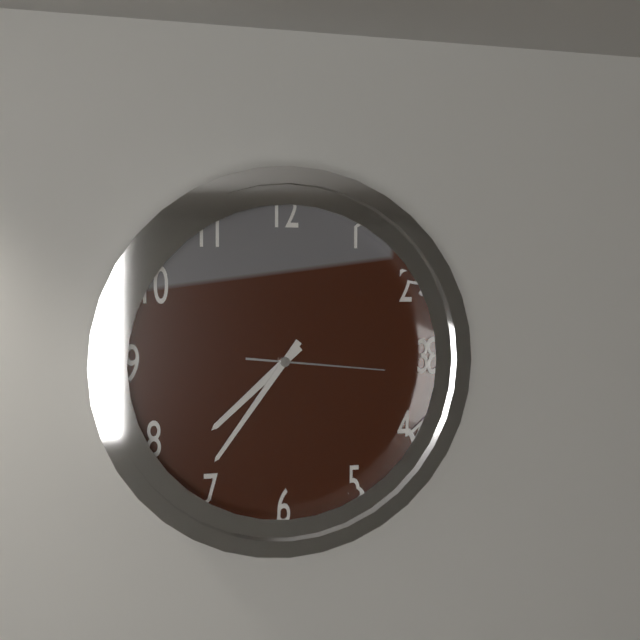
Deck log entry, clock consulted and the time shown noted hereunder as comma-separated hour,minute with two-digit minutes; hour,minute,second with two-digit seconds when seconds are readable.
7,36,16
